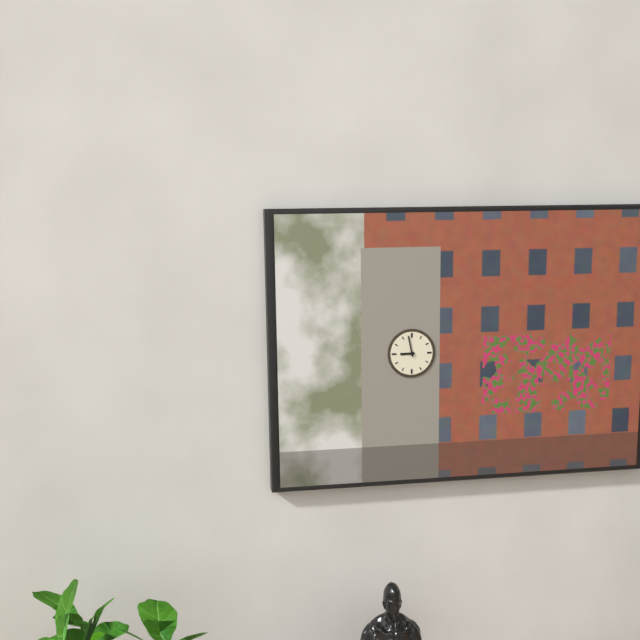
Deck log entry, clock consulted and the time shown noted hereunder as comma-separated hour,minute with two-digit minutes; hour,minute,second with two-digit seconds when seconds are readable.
8,58
